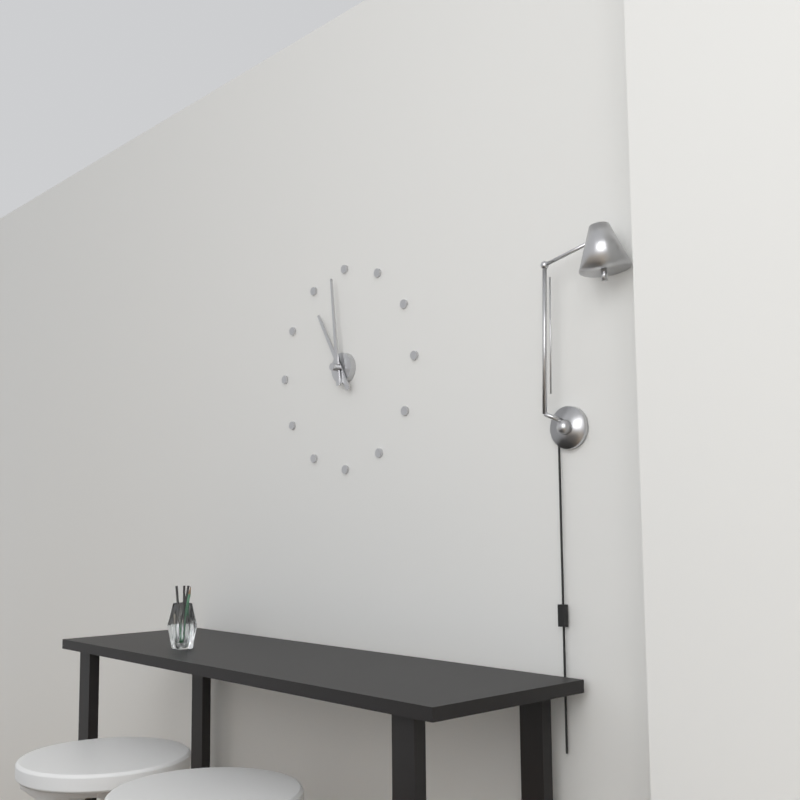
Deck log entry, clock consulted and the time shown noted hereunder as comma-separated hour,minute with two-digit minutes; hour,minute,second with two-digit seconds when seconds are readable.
10,59
